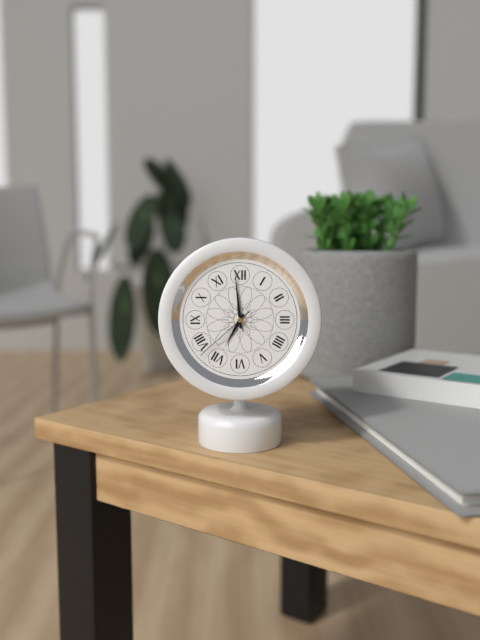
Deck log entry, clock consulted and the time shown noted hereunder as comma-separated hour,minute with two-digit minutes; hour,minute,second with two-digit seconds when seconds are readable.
6,59,38
